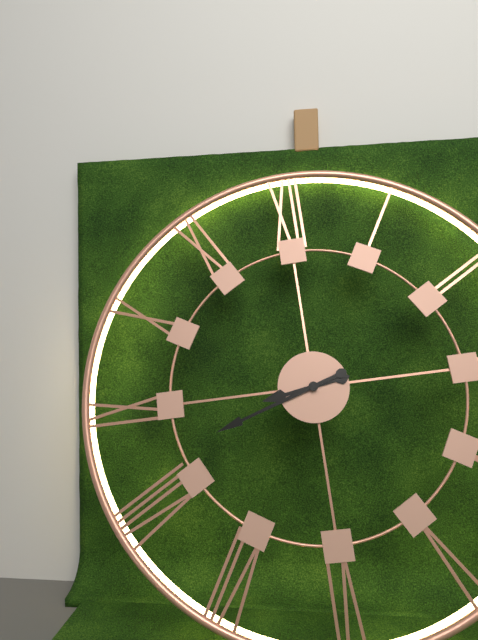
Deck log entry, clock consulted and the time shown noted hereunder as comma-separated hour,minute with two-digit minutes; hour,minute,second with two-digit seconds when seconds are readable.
8,42
